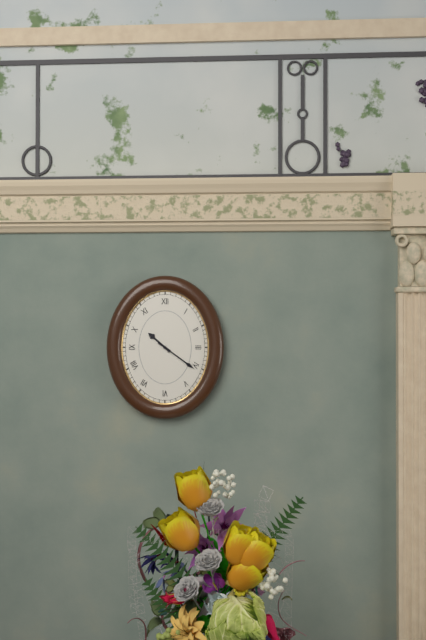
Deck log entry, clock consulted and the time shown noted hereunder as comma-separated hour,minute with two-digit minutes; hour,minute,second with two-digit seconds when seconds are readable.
10,21
